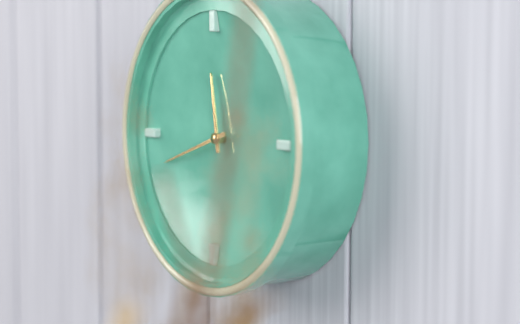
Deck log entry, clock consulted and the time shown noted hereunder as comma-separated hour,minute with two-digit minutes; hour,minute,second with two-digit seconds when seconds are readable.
11,42
